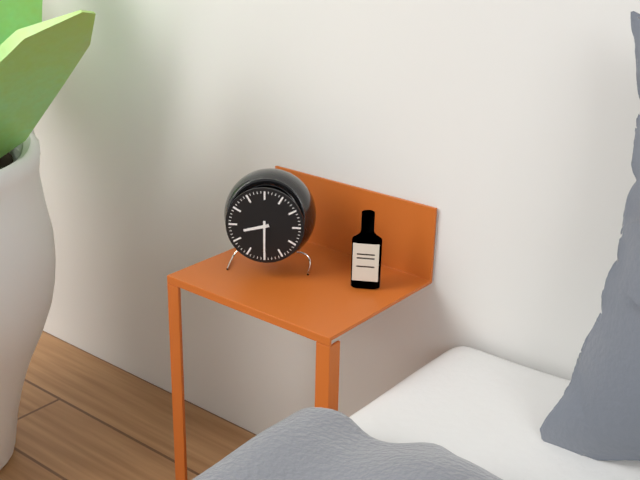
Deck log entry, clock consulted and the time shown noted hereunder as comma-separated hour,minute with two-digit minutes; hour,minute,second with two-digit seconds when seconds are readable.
8,30
